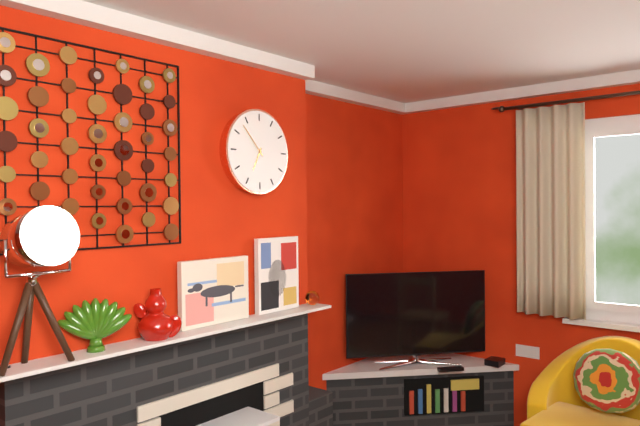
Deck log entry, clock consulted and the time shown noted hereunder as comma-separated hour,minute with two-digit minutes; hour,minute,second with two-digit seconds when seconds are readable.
6,53
